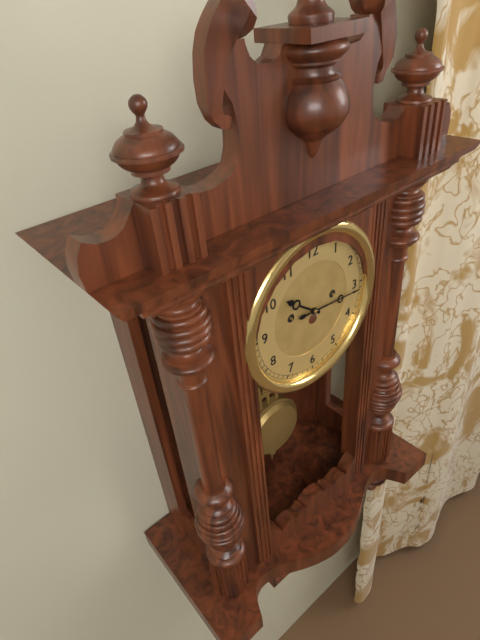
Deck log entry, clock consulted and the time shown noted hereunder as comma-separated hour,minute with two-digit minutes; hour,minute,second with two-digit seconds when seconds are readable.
10,16
